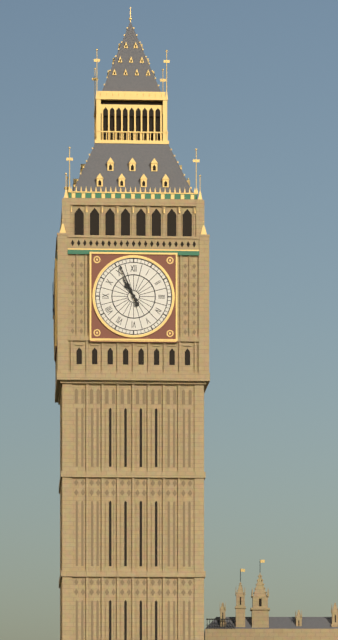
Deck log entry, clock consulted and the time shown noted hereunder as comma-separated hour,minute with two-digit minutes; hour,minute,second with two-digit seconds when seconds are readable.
10,56
